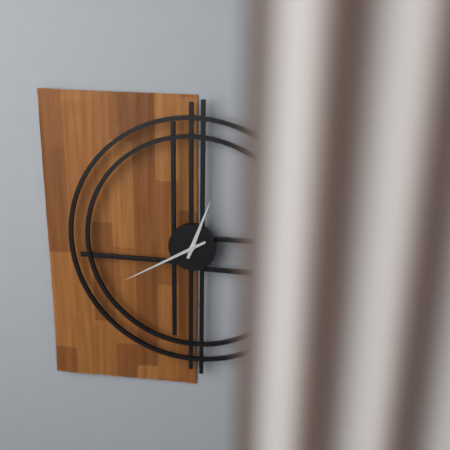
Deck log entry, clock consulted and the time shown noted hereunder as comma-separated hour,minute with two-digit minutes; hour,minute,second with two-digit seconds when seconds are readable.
12,40
